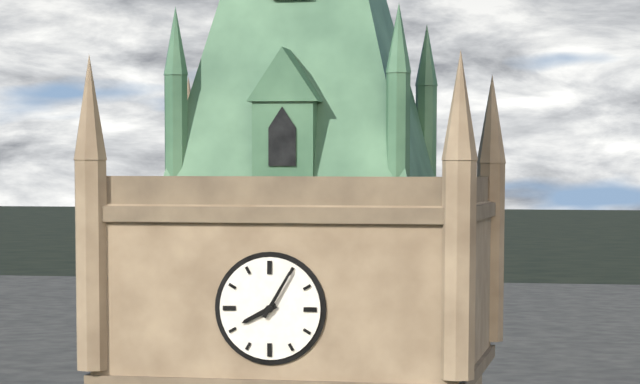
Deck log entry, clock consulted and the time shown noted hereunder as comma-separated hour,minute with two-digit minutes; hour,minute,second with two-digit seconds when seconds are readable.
8,05
